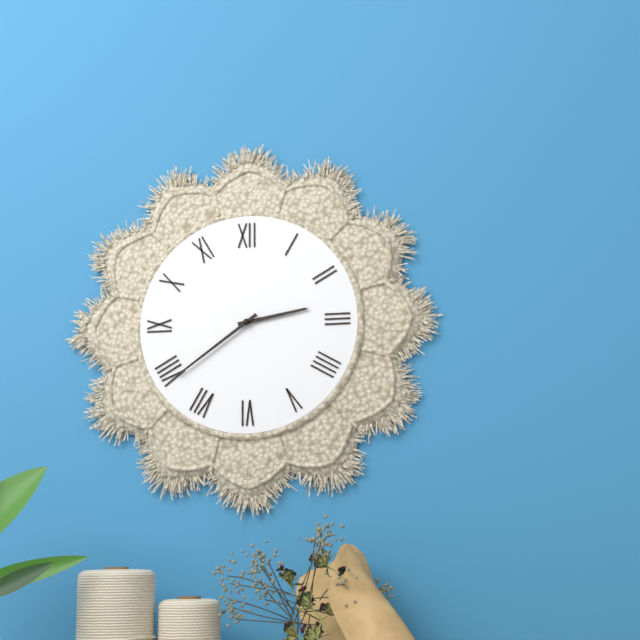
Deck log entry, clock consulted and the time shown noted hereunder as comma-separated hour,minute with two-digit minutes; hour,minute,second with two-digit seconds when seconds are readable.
2,39
